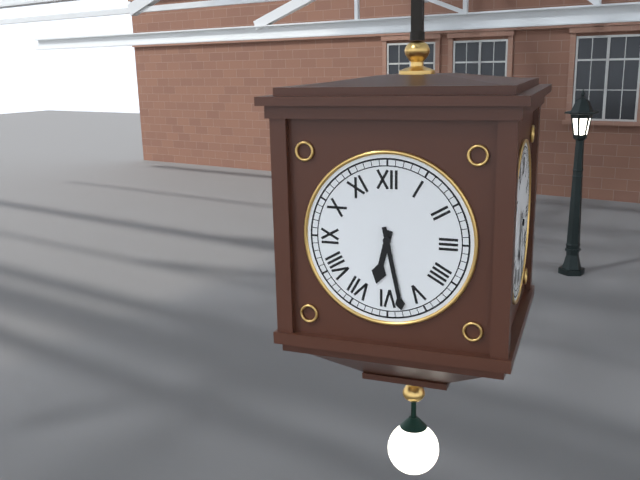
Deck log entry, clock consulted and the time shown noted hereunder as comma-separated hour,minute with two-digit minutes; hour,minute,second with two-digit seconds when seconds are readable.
6,28
